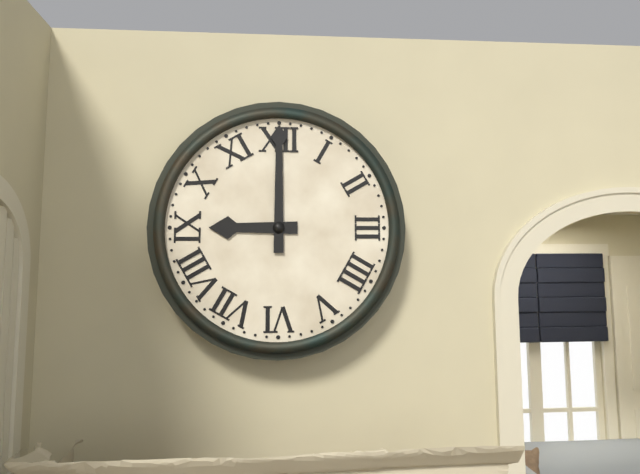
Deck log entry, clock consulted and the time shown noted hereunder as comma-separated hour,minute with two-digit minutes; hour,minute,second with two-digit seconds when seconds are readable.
9,00
